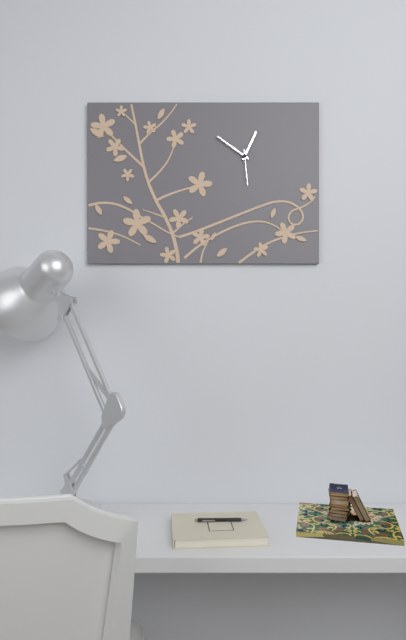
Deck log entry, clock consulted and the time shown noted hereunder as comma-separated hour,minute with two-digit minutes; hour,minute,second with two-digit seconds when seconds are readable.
12,51
